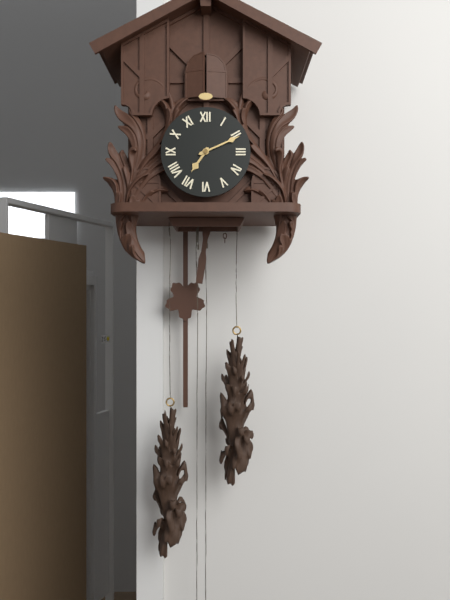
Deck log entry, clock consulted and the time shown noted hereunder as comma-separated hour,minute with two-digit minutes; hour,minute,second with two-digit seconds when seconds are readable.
7,11
